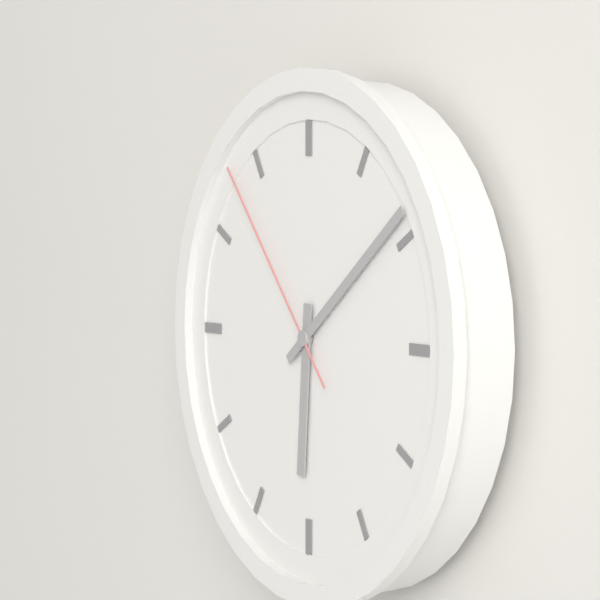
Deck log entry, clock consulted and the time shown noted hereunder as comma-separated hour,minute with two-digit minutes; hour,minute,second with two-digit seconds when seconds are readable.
6,09,53
